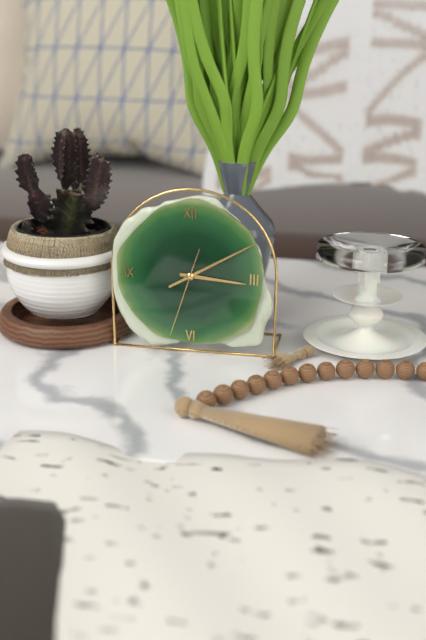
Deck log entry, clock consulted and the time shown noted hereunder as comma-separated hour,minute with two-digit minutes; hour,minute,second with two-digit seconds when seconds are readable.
3,10,33
